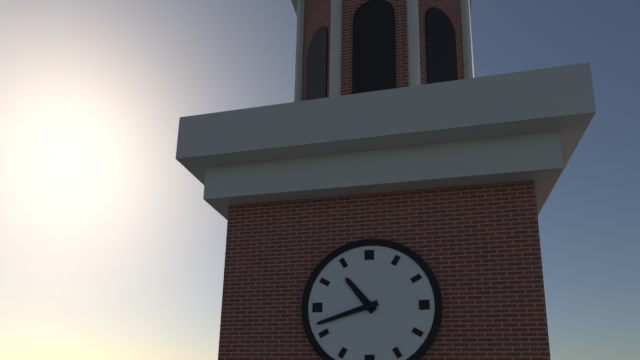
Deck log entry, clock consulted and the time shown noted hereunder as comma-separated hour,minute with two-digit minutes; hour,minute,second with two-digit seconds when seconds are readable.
10,42
